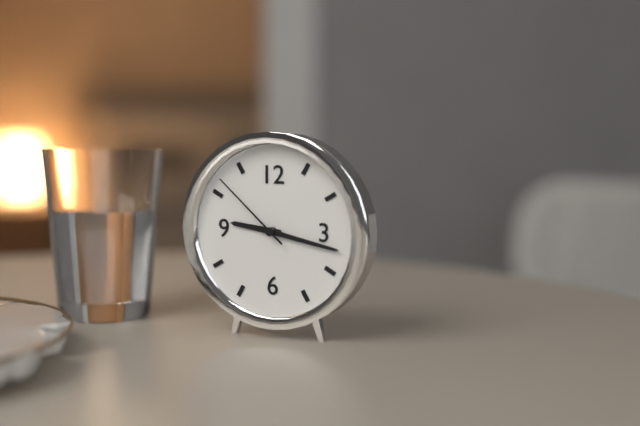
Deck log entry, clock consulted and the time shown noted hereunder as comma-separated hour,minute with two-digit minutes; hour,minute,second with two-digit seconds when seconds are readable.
9,17,52
